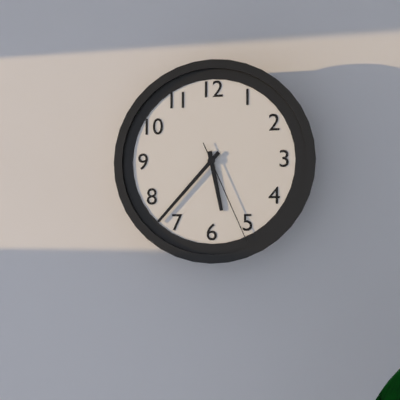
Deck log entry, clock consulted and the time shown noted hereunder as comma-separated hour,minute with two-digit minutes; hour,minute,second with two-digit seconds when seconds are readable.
5,37,26
